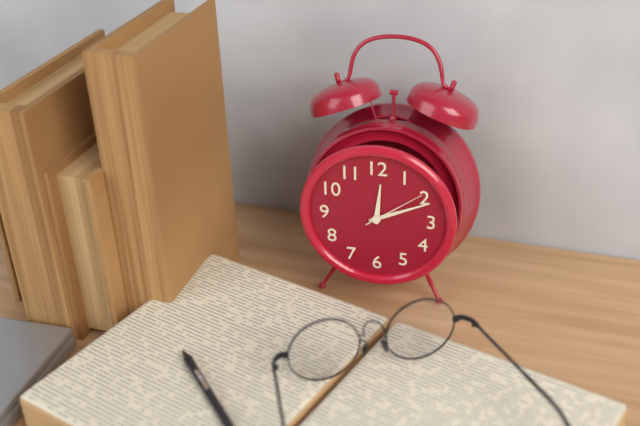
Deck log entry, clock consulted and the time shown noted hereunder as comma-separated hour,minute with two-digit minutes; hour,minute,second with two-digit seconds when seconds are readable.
12,11,09
